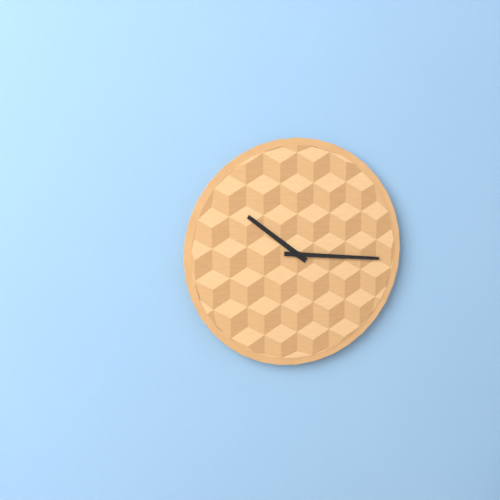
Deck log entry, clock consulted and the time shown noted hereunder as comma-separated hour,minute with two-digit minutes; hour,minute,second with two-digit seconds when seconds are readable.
10,16
